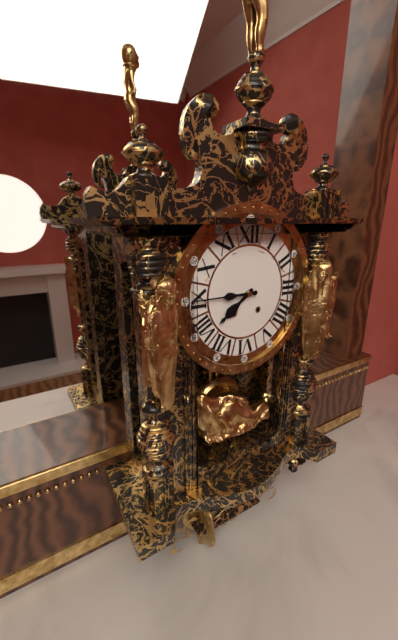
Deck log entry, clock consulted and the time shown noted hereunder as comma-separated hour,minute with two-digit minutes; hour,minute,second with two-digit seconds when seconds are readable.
7,45
